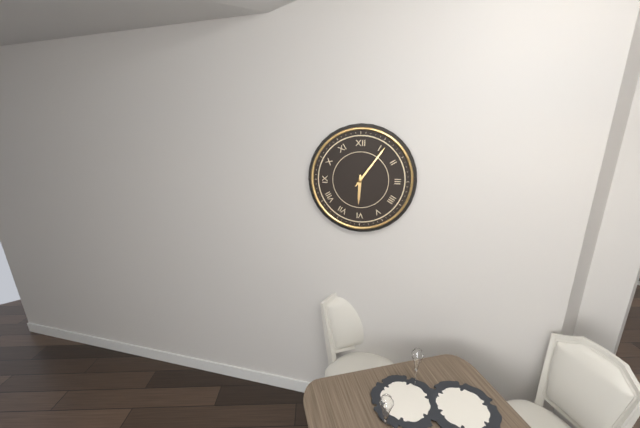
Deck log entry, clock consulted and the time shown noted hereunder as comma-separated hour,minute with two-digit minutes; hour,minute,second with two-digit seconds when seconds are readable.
6,06
